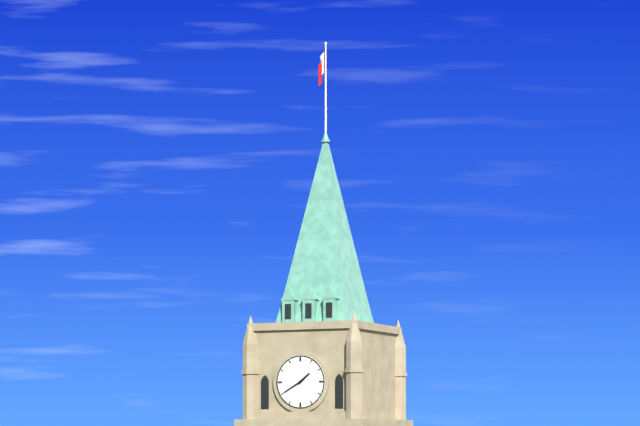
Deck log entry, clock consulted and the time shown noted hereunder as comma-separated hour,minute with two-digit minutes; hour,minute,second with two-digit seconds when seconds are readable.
1,40
